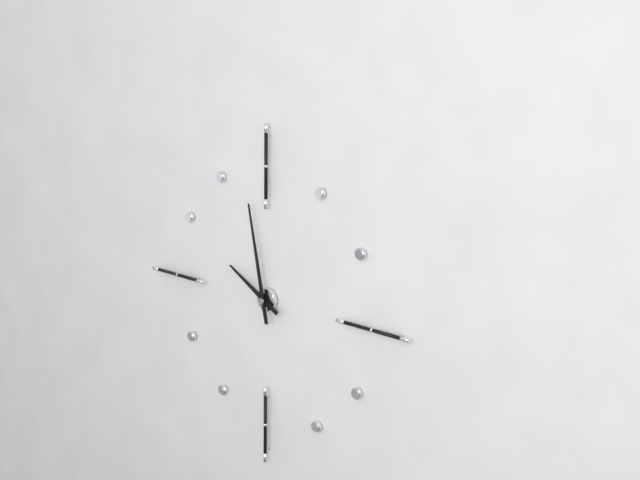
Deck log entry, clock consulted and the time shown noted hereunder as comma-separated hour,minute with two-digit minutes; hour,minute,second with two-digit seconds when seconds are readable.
9,58
